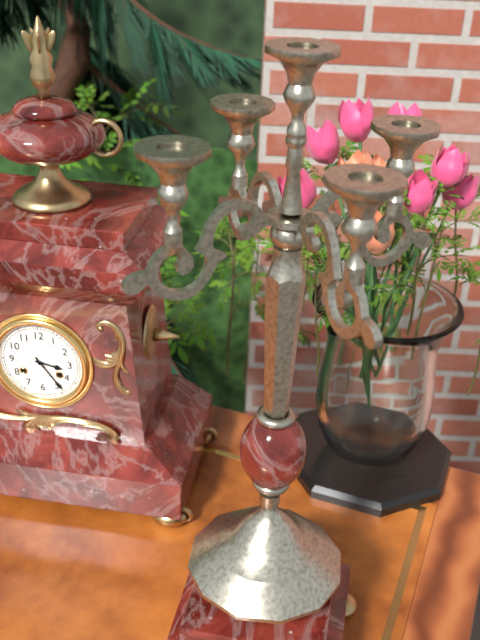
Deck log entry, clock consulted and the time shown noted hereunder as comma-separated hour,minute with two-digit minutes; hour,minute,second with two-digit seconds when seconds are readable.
3,24
